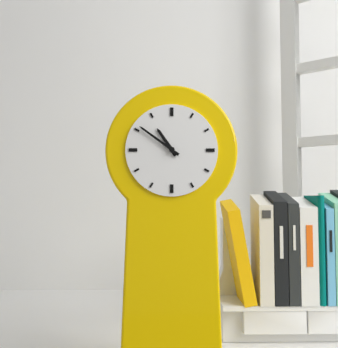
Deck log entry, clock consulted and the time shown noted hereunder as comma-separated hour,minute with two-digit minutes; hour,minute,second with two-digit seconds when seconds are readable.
10,51
